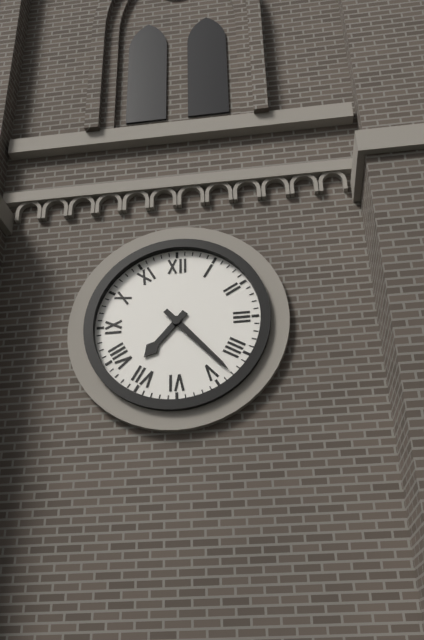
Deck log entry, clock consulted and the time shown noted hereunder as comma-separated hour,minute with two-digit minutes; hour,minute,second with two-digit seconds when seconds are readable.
7,23
